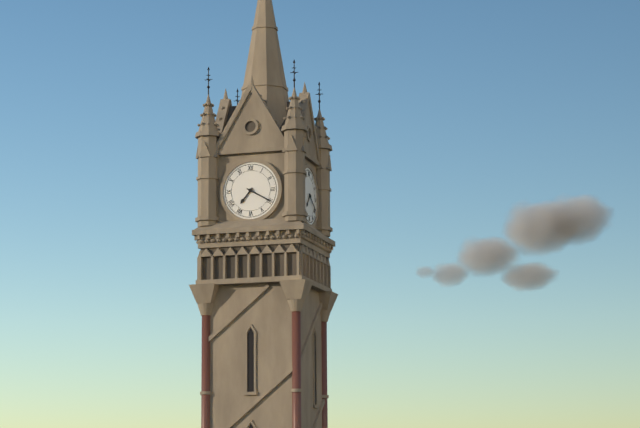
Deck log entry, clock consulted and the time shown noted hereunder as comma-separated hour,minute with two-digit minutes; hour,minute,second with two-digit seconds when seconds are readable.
7,20
